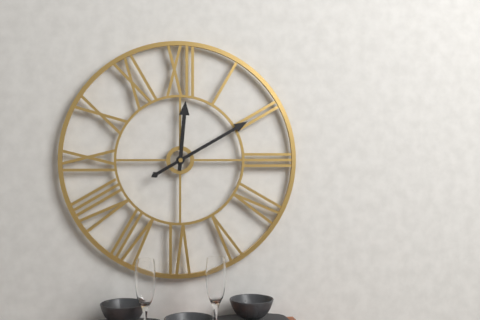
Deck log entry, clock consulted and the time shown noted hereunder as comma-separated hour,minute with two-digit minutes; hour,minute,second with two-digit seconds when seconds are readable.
12,10
